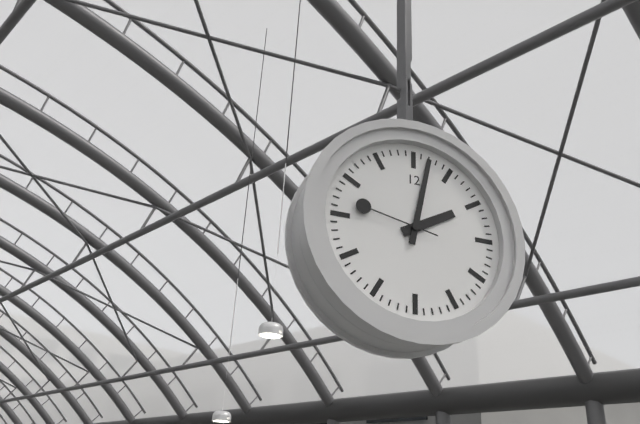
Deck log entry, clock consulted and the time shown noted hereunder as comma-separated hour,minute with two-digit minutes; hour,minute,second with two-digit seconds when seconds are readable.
2,02,47
